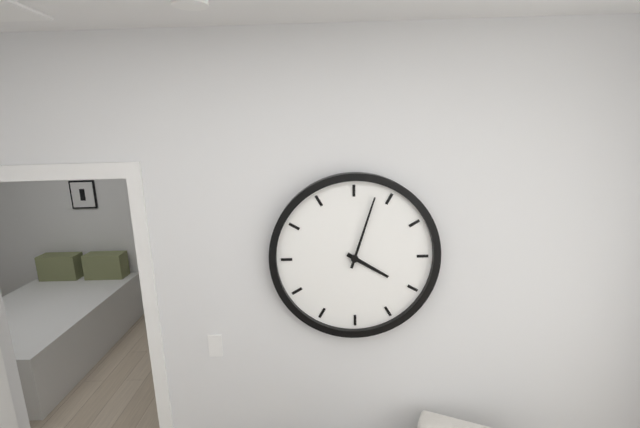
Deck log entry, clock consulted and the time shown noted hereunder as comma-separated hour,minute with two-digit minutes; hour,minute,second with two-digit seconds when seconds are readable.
4,03
